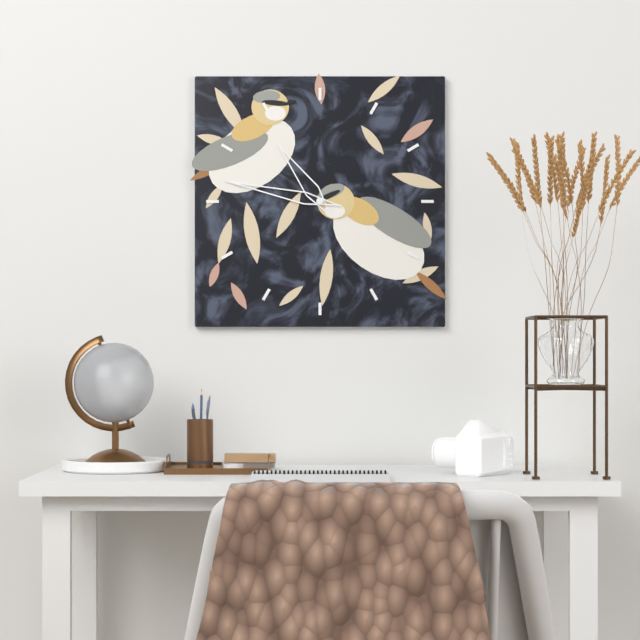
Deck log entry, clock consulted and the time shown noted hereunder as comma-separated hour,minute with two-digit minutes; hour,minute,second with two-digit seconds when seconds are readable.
10,47
